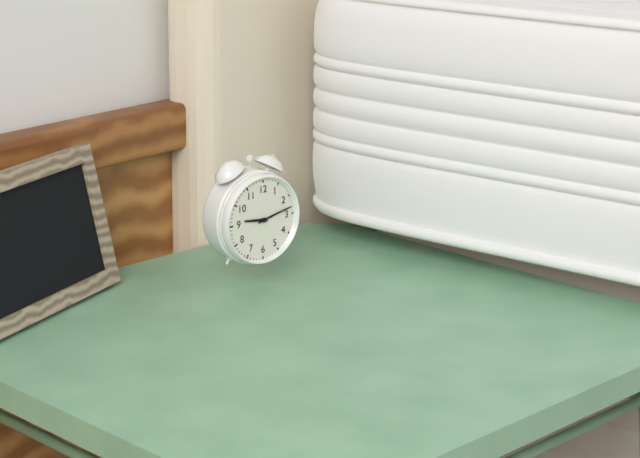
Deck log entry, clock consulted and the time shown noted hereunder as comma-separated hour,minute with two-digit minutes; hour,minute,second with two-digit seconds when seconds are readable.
9,13
